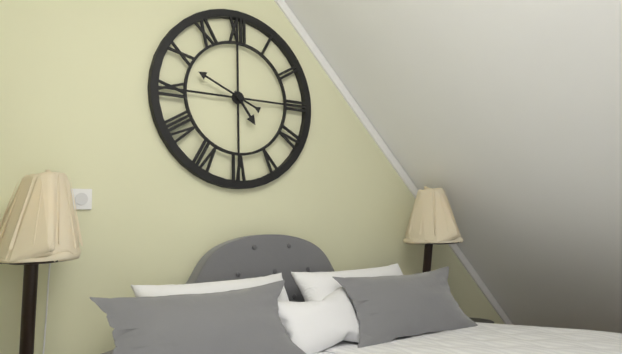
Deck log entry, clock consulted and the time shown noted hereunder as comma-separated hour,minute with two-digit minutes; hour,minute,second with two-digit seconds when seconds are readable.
4,49
